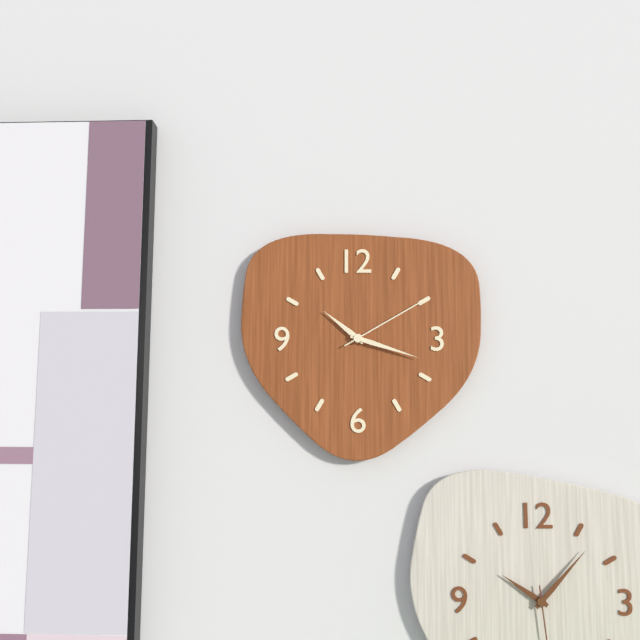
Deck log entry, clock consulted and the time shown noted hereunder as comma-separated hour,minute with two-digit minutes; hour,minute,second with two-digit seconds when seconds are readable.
10,18,10
